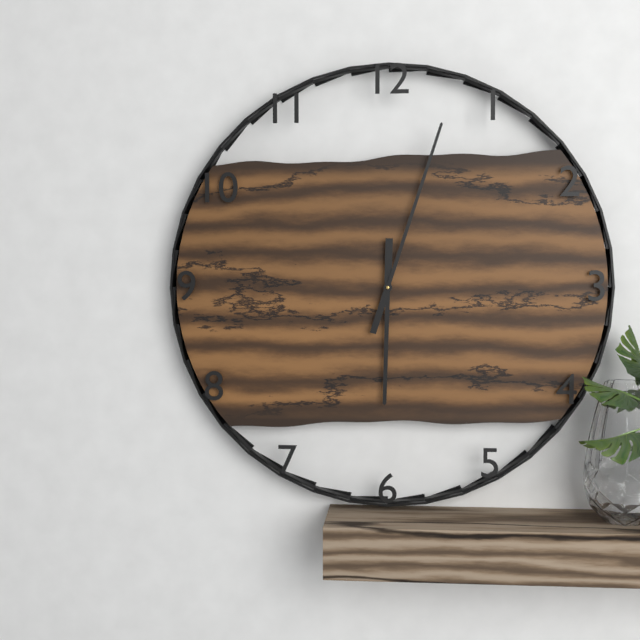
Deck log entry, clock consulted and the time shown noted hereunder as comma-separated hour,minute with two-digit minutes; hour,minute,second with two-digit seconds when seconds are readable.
6,03
